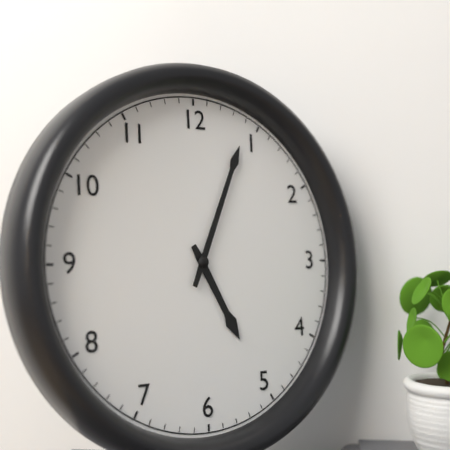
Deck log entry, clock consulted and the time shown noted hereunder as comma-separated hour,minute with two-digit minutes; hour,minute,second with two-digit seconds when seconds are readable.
5,04
